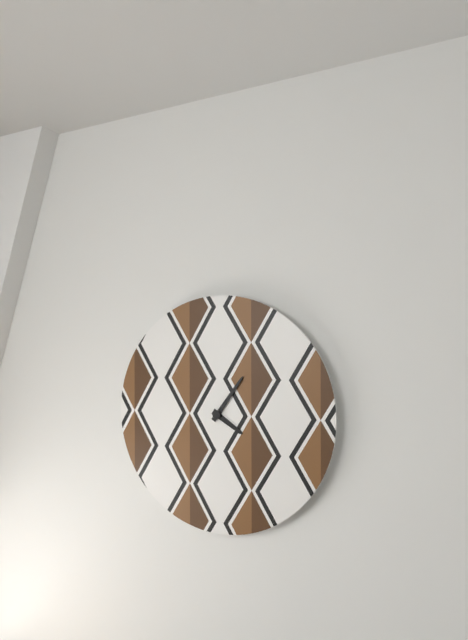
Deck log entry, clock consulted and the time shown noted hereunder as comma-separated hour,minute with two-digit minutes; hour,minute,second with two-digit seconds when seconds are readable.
4,06
